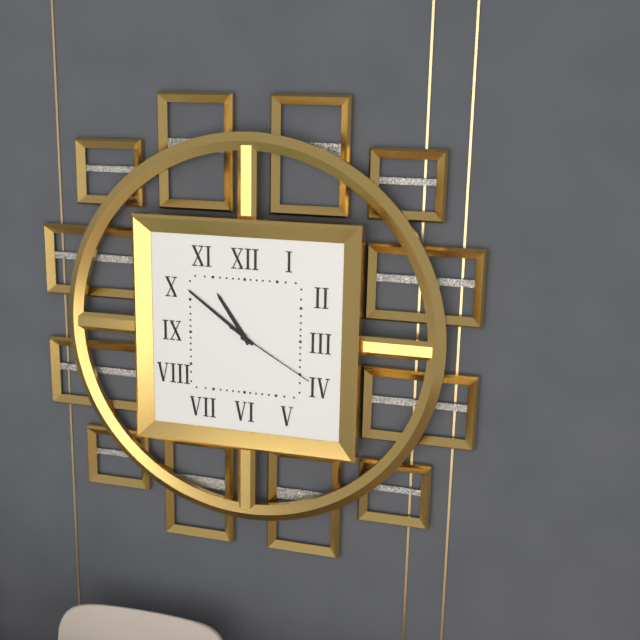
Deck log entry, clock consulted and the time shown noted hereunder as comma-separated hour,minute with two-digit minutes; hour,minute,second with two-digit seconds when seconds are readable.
10,51,20
